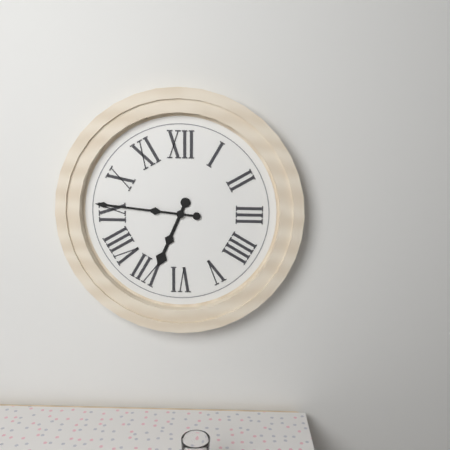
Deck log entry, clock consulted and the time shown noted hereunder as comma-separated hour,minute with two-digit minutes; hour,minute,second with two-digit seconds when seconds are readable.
6,46
